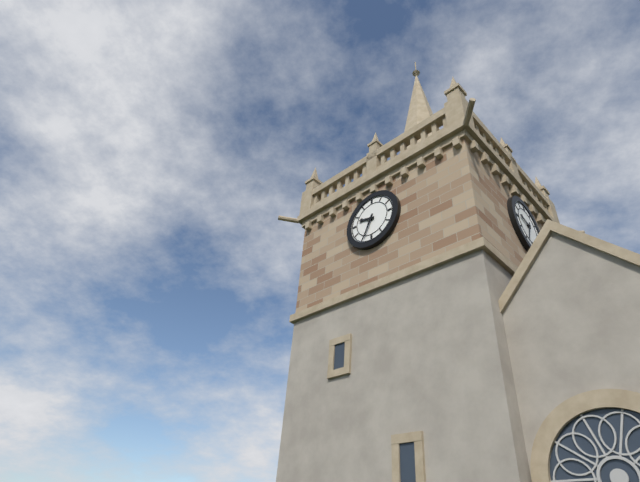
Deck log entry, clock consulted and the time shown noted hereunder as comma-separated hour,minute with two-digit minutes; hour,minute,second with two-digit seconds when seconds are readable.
9,34
